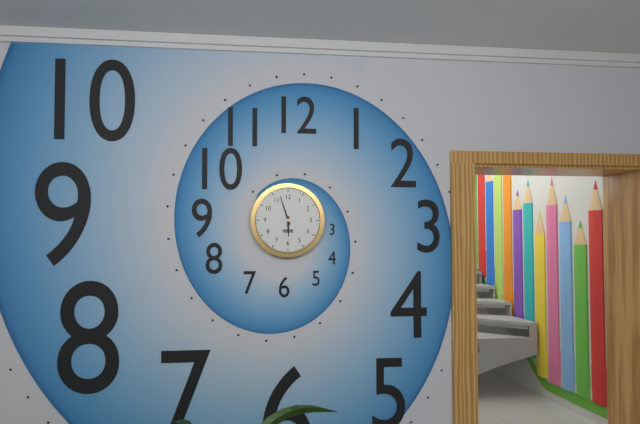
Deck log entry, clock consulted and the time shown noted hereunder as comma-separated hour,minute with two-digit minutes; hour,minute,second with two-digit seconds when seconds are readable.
5,57
